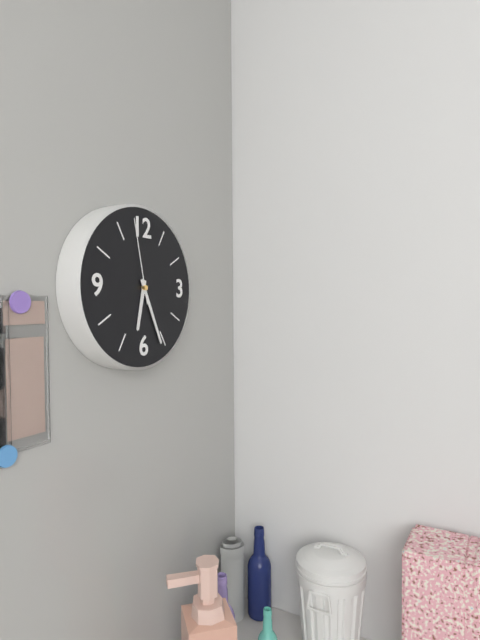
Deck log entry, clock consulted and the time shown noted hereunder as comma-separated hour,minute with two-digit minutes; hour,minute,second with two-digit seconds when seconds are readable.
6,26,58
